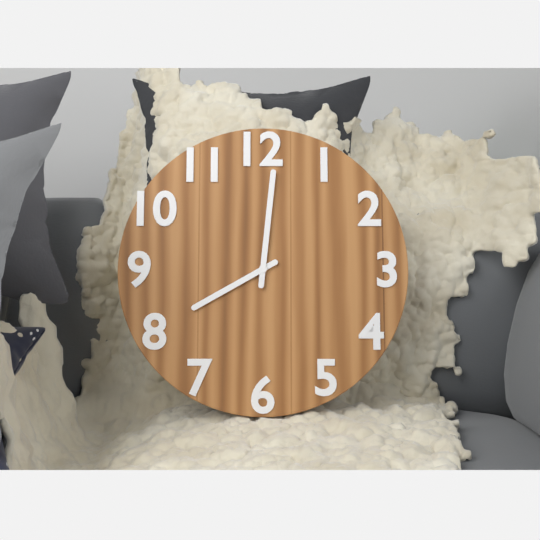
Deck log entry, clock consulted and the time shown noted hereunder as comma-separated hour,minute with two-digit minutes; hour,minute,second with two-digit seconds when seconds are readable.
8,01
